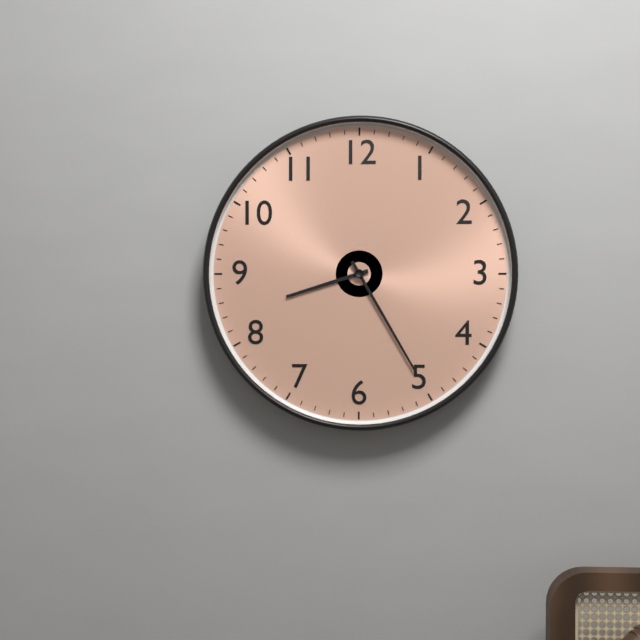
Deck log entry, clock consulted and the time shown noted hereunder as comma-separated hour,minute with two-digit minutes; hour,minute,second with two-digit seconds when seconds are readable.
8,25
